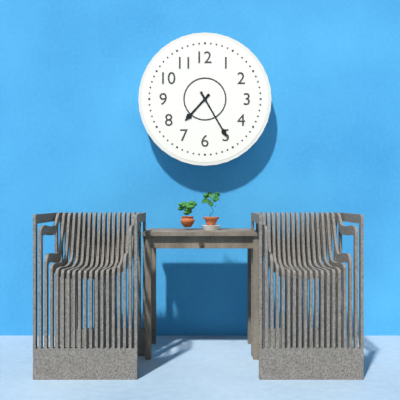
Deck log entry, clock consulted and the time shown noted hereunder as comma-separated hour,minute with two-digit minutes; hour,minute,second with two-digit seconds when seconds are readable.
7,25
